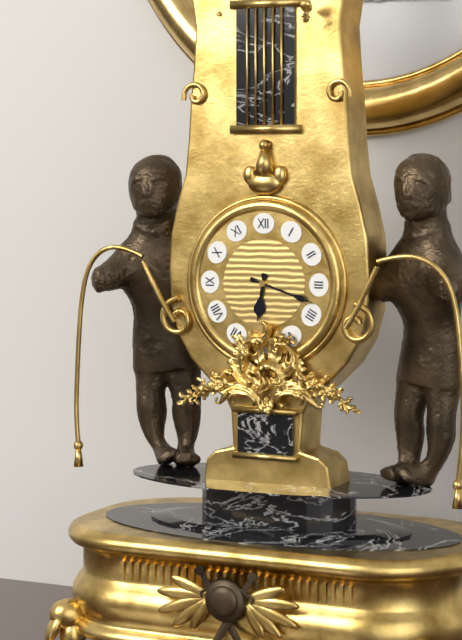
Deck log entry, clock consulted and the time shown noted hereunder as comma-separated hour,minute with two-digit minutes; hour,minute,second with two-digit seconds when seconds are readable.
6,18
